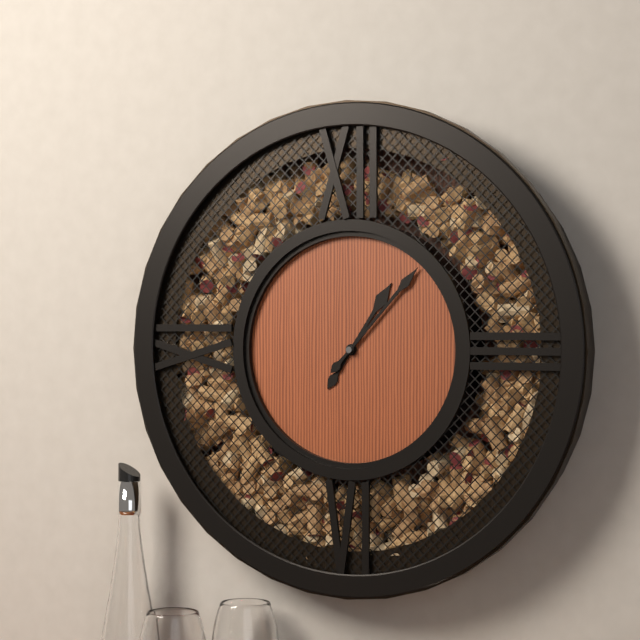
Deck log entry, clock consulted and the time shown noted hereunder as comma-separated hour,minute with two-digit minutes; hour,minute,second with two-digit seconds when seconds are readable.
1,07
